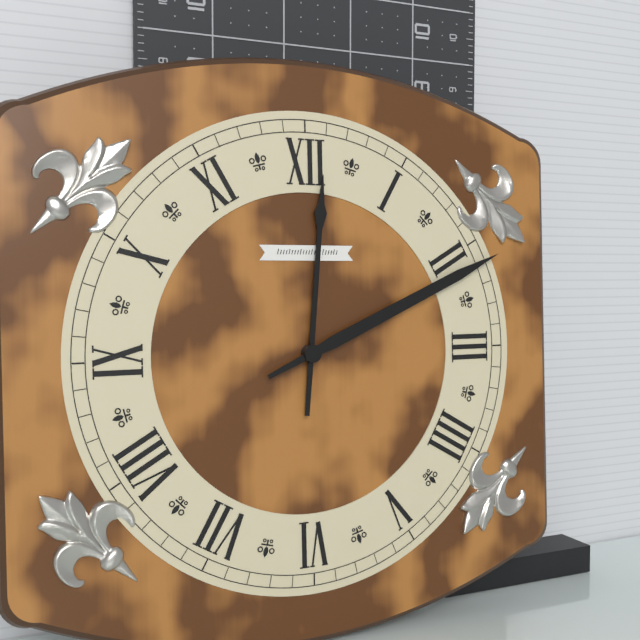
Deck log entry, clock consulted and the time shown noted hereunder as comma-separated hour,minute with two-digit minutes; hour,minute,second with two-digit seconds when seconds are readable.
12,11
